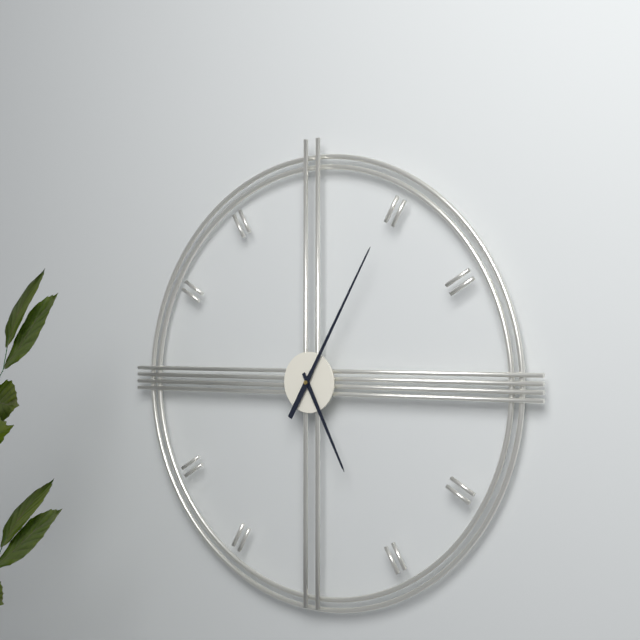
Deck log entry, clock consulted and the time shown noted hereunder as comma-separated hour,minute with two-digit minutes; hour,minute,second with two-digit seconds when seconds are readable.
5,05
